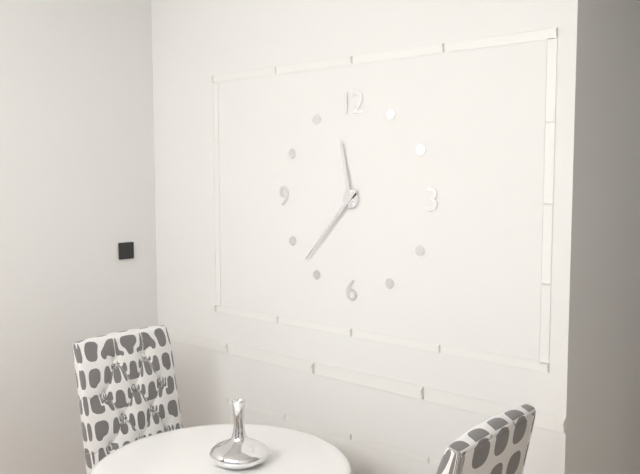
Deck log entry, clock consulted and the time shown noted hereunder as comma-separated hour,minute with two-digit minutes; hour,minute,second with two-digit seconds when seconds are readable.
11,37
